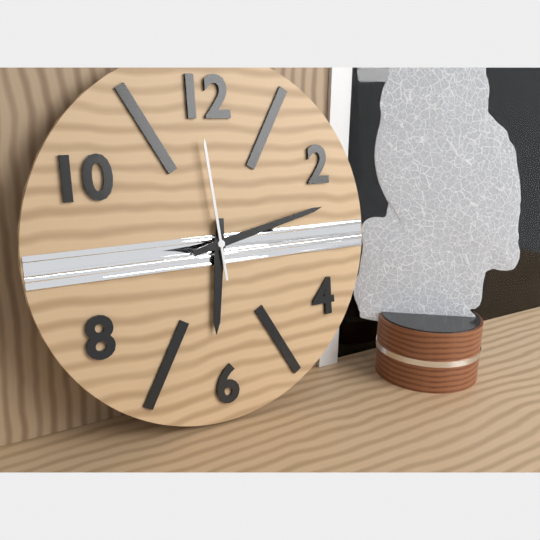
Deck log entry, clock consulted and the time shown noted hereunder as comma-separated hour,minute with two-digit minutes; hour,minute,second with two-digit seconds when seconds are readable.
6,13,59
